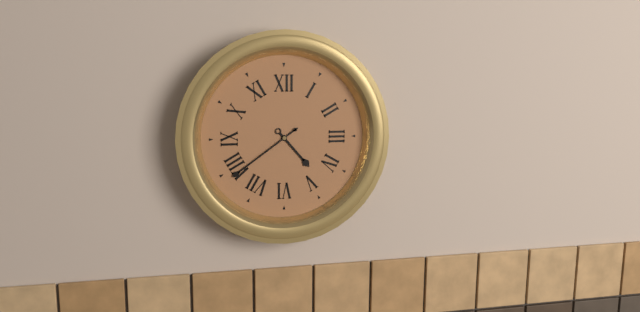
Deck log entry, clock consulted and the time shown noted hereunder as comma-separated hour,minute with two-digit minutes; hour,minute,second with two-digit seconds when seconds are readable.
4,39
